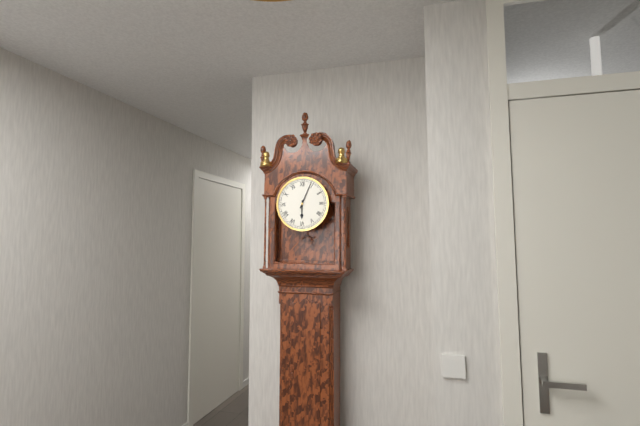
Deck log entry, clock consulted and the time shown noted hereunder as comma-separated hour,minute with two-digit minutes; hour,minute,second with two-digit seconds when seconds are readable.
6,04
